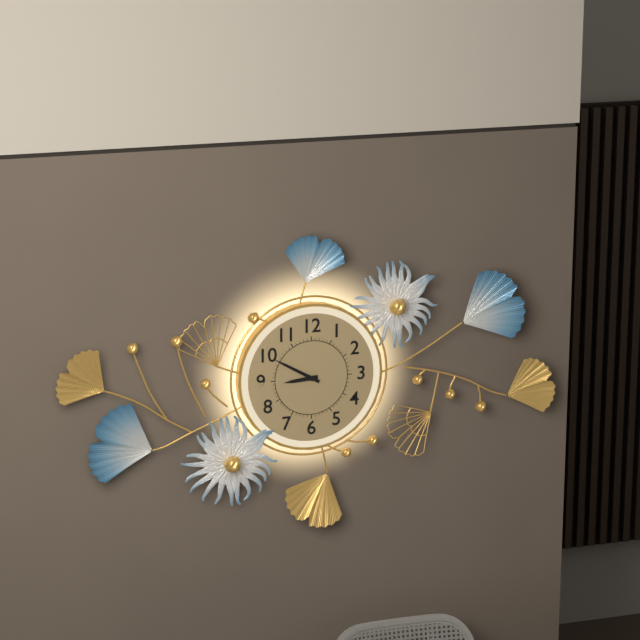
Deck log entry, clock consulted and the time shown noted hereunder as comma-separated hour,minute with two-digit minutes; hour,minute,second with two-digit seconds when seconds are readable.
8,50
